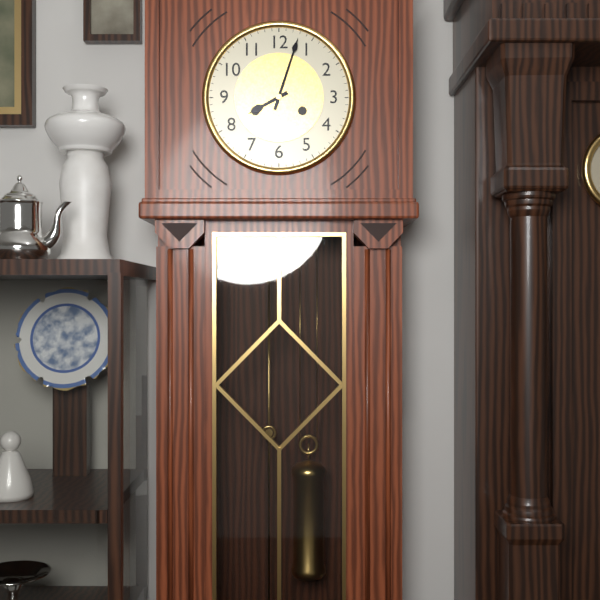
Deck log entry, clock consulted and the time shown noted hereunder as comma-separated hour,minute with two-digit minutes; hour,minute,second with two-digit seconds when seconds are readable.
8,03
